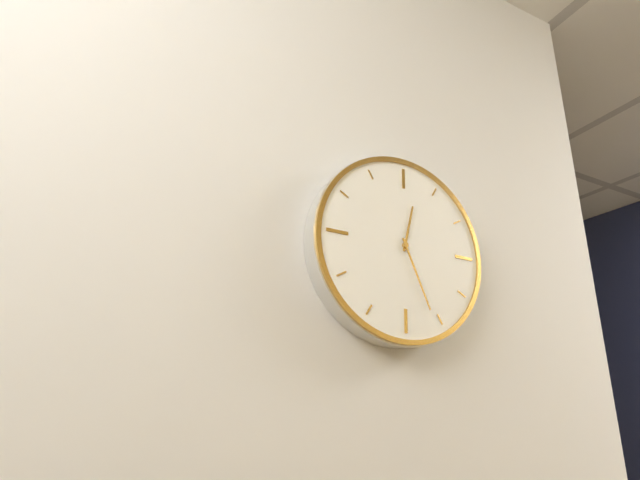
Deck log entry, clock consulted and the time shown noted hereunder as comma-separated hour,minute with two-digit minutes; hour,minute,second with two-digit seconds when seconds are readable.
12,26
